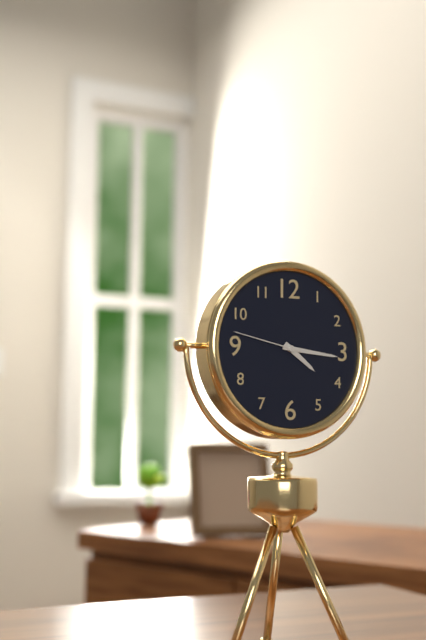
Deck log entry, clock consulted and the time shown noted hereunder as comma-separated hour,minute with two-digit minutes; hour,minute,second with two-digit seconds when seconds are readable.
4,16,47
